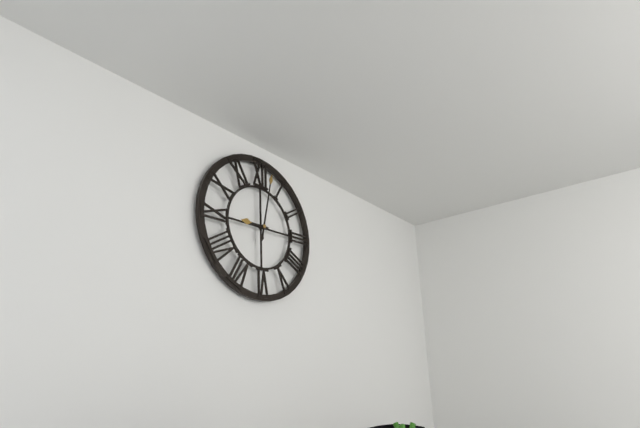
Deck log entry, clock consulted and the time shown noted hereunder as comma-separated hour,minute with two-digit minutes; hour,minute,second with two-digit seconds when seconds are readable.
9,02
